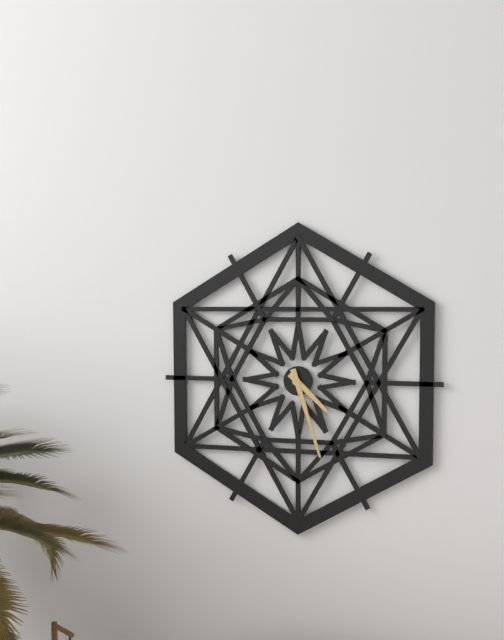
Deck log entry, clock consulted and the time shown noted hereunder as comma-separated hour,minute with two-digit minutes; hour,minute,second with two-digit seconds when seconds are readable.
4,27
